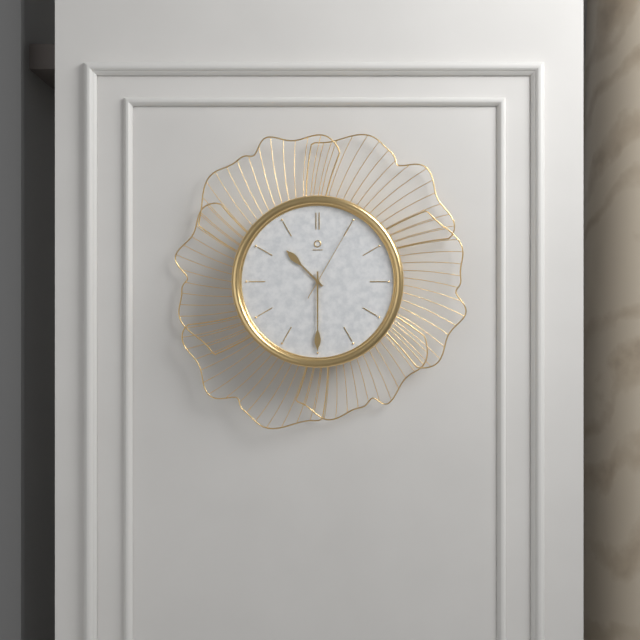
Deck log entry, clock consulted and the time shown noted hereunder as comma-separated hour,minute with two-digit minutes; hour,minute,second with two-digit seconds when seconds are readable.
10,30,05
